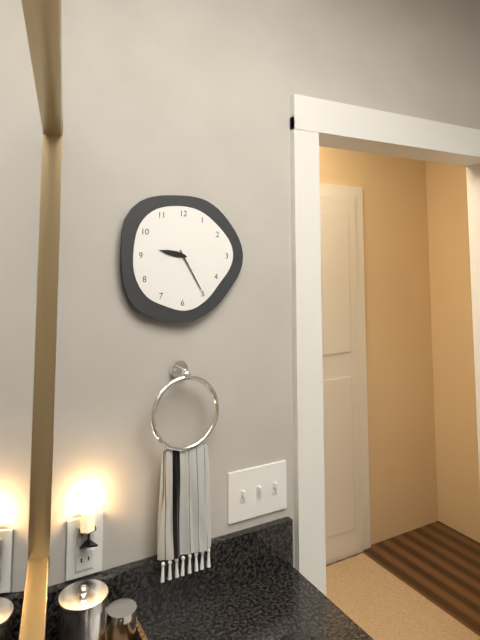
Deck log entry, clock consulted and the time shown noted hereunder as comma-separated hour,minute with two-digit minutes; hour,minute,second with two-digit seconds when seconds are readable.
9,25
